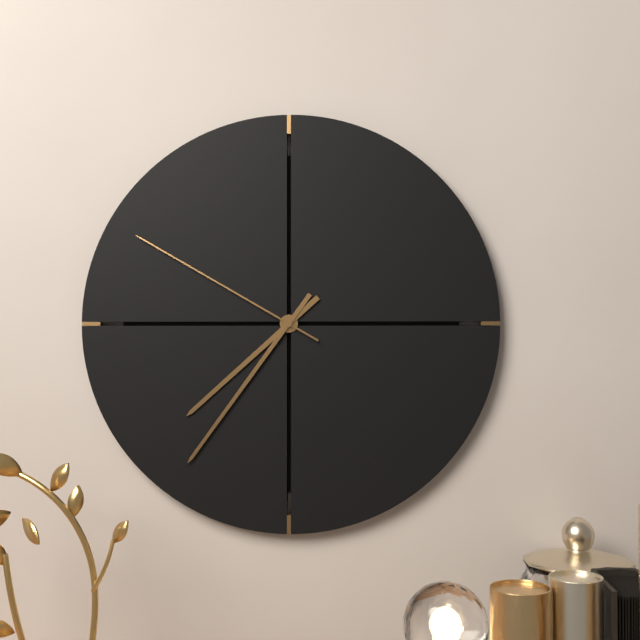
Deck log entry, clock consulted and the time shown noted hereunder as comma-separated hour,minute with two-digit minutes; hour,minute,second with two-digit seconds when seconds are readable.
7,36,50
